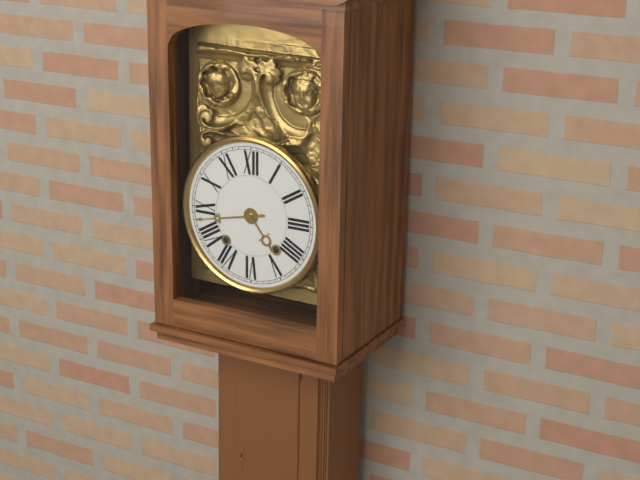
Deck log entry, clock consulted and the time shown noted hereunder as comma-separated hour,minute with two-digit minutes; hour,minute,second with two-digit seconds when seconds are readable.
4,43
